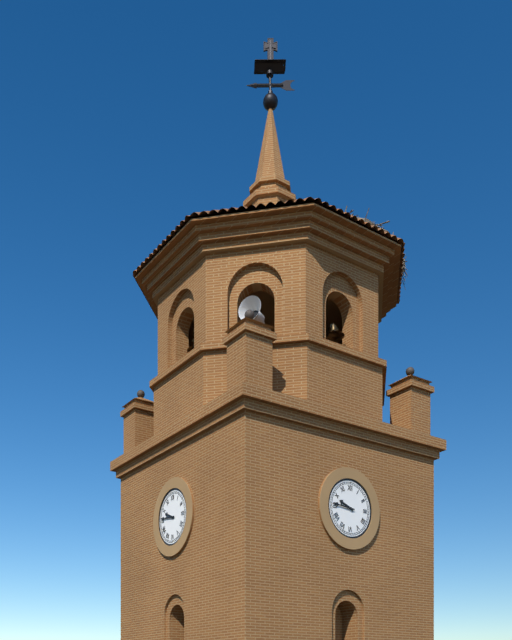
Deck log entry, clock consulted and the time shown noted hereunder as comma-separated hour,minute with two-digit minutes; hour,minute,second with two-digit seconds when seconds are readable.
9,46
